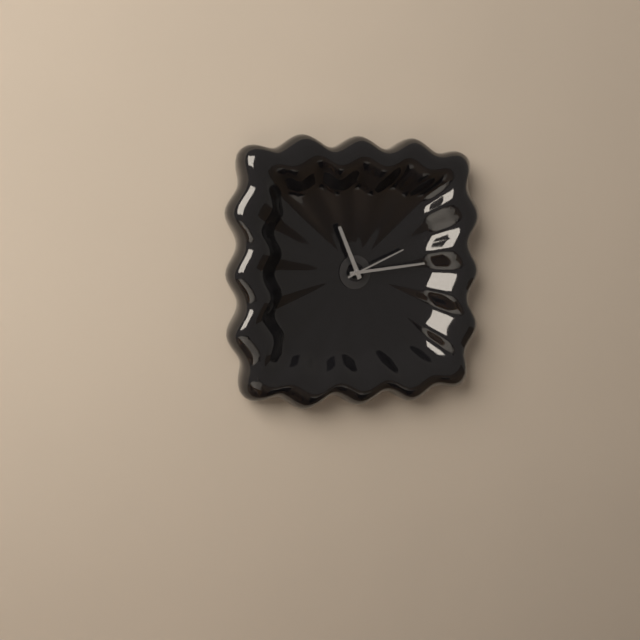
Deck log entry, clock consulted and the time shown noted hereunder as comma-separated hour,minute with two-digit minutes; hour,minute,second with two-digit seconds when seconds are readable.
11,14,11
